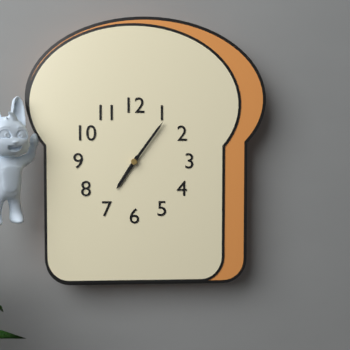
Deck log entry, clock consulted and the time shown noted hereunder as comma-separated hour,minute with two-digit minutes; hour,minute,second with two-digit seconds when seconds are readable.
7,06
